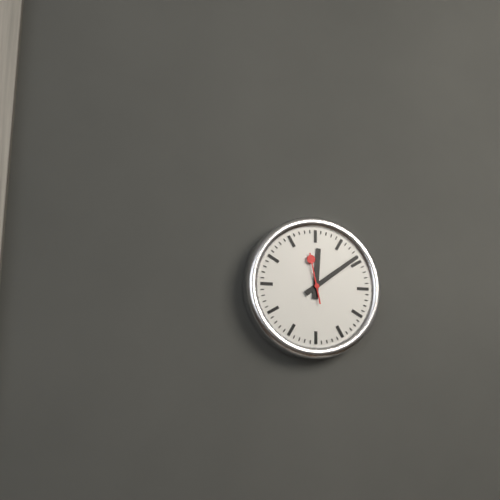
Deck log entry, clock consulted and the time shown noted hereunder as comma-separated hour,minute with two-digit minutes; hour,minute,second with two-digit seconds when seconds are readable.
12,09
